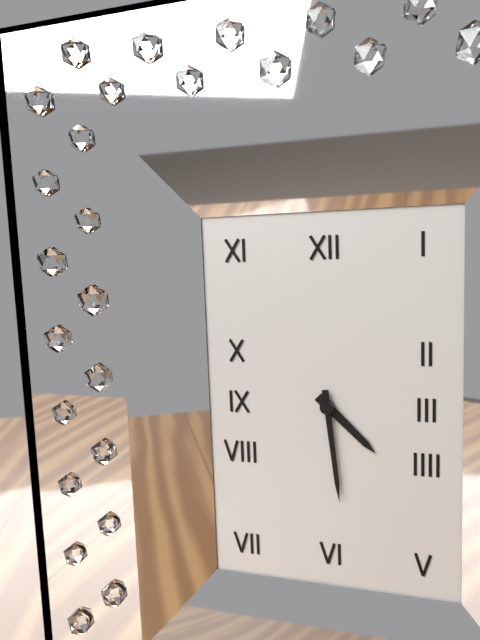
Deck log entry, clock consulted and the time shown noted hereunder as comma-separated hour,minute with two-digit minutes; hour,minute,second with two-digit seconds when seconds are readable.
4,29
